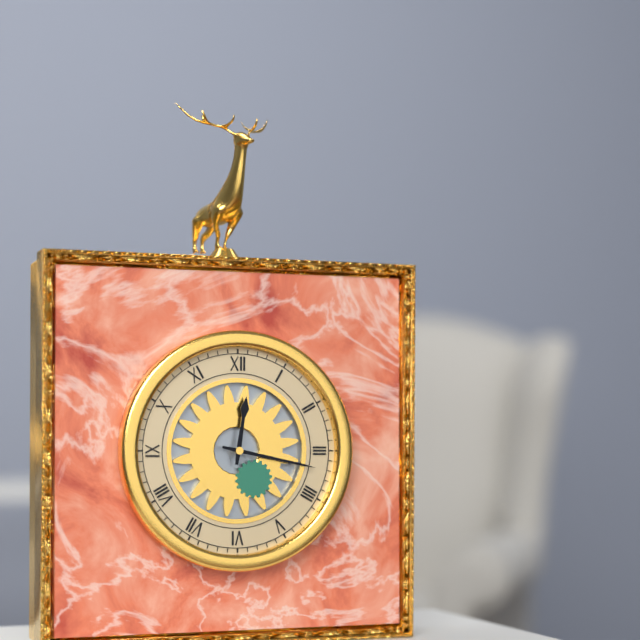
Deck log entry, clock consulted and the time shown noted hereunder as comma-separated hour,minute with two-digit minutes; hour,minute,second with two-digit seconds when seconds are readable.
12,17
